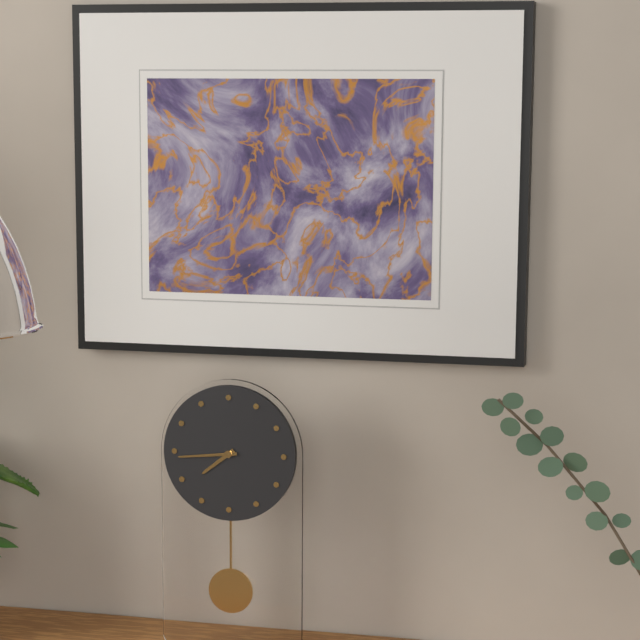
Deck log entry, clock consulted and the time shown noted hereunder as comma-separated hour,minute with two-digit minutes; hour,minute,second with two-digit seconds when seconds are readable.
7,44
